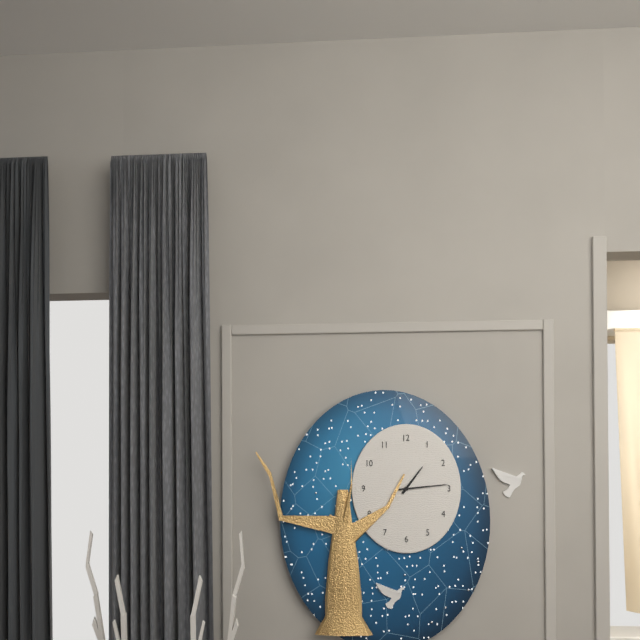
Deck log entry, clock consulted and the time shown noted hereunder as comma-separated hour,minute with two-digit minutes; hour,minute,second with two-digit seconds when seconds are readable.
1,14
